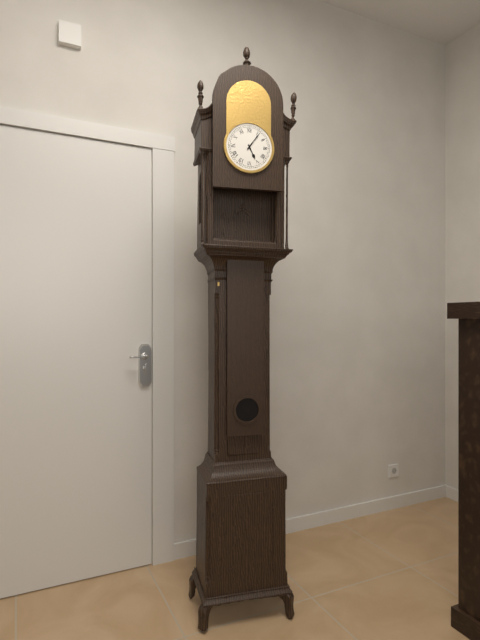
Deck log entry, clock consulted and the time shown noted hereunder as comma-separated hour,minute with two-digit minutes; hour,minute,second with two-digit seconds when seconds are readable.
5,06
